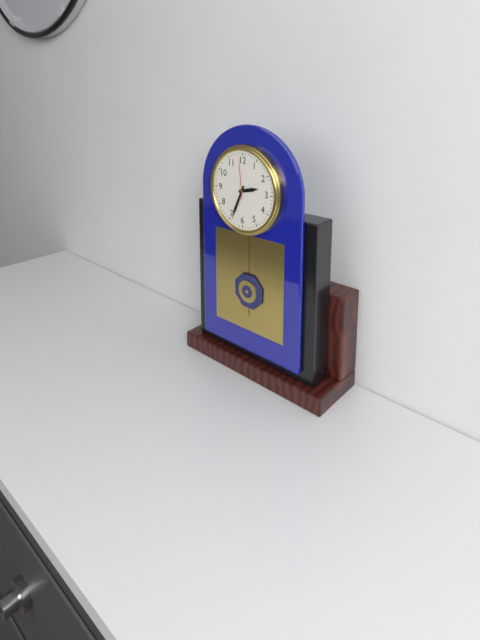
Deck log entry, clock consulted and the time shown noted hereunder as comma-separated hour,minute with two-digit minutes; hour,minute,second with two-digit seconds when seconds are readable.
2,34
